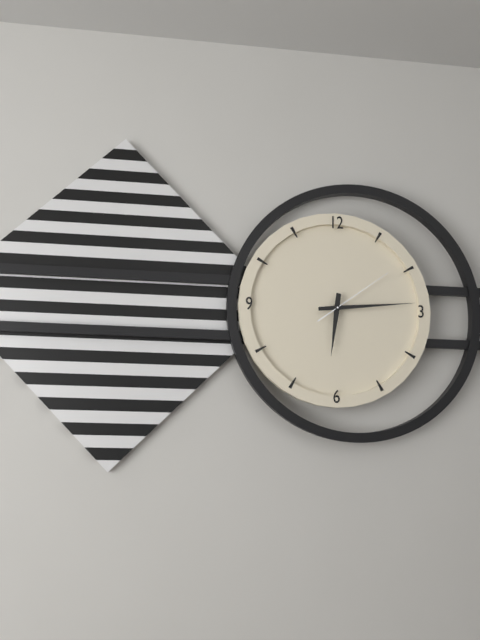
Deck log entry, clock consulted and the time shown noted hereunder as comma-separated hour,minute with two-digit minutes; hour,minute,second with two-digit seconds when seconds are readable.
6,14,09
